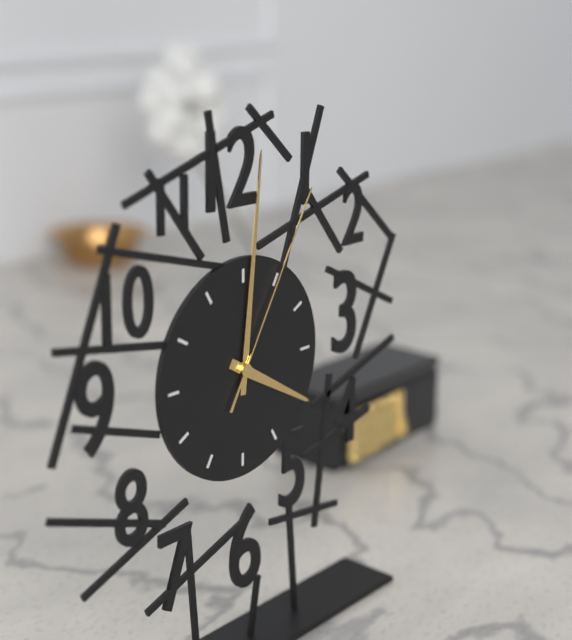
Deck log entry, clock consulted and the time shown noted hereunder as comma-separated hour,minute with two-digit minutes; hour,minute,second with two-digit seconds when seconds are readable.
4,01,05
